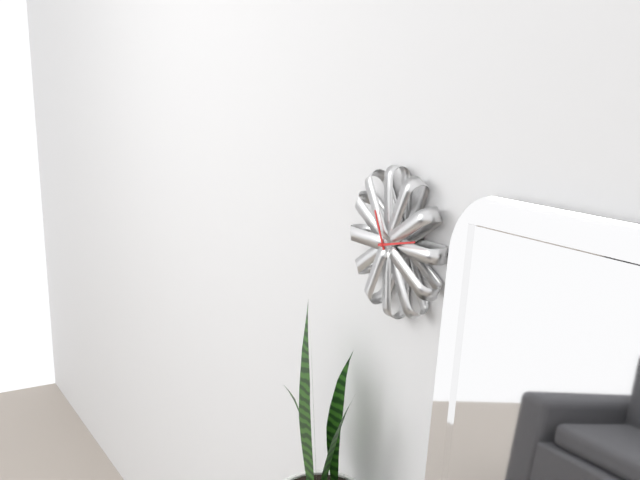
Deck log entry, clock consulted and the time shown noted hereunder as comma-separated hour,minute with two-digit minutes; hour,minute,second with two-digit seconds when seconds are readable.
11,13
